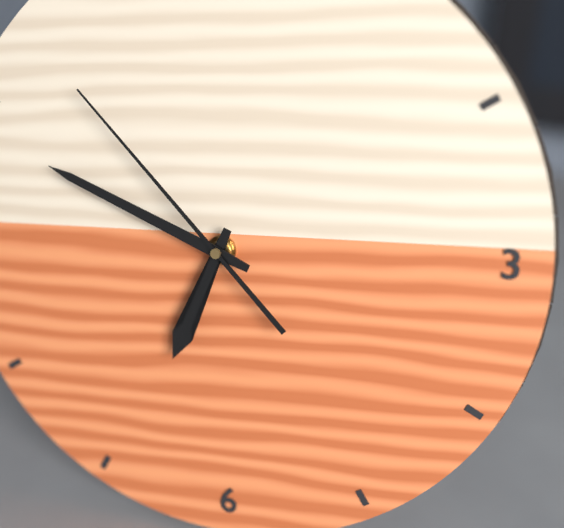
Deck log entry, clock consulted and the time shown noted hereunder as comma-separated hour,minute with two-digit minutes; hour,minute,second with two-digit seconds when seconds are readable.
6,49,53
